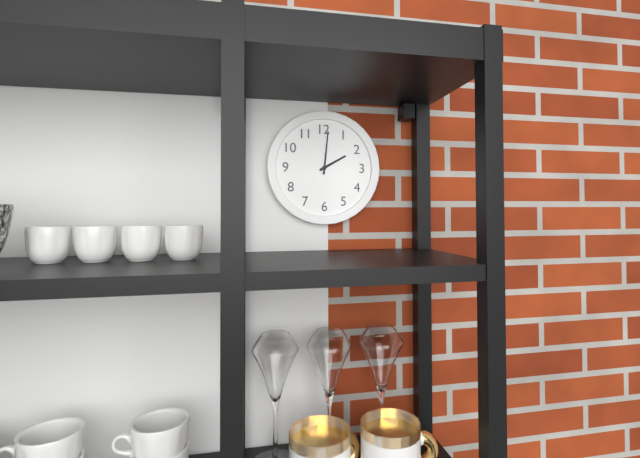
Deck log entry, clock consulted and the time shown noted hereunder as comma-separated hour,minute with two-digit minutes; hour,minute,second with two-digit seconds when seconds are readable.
2,01
